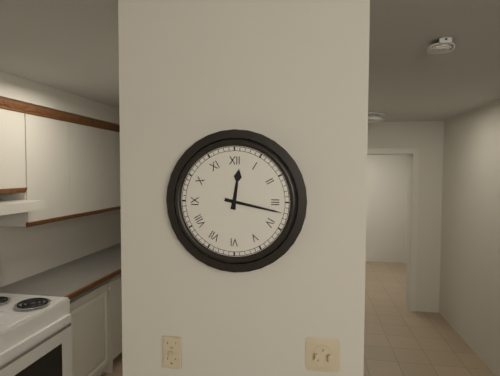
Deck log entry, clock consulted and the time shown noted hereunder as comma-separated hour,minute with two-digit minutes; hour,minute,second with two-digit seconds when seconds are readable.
12,17
